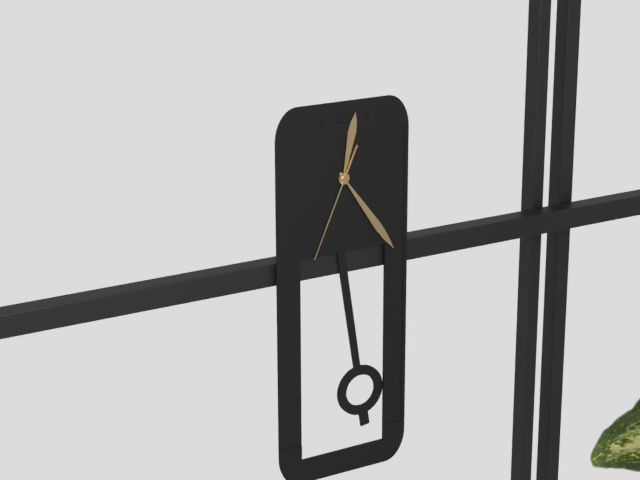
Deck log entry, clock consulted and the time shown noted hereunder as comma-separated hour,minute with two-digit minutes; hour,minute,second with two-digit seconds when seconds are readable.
12,24,34
